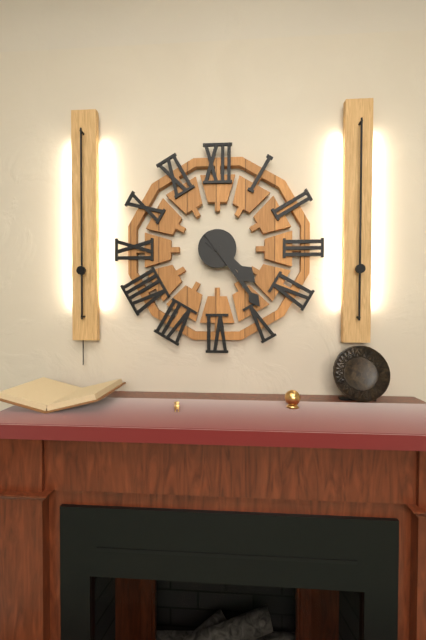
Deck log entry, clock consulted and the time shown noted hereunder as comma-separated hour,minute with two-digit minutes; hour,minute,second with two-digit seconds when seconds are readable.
4,24
